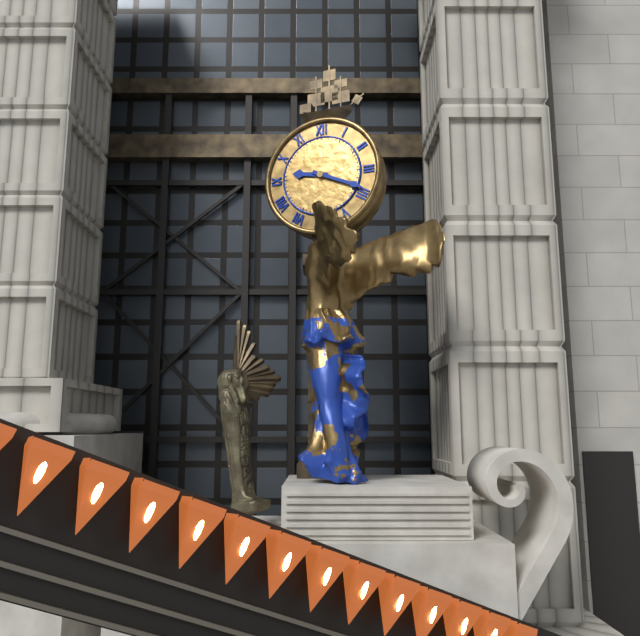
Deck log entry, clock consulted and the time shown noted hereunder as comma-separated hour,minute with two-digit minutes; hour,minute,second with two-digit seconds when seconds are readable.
9,19
